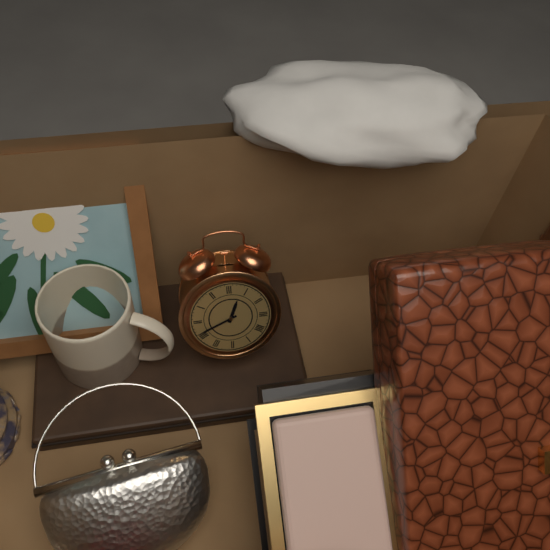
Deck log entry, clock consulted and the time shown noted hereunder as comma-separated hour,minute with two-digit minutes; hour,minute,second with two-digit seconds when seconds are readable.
12,41
